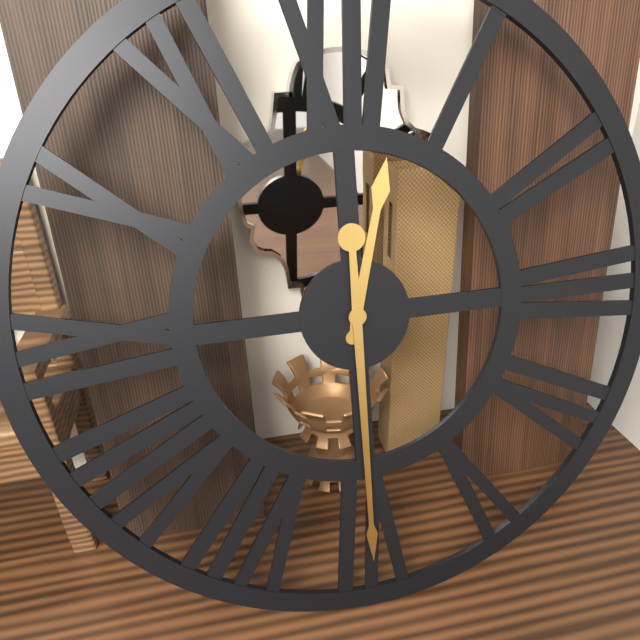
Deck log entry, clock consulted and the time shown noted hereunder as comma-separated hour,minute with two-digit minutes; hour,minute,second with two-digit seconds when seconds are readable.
12,30
